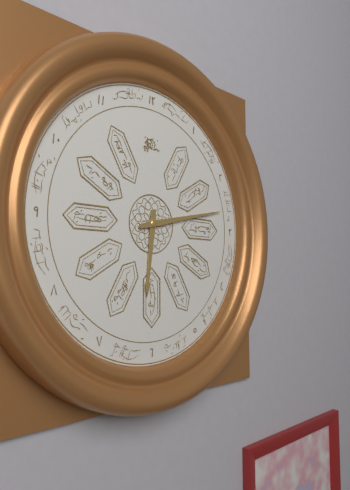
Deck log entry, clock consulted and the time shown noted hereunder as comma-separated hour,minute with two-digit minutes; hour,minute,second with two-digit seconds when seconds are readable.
6,13
